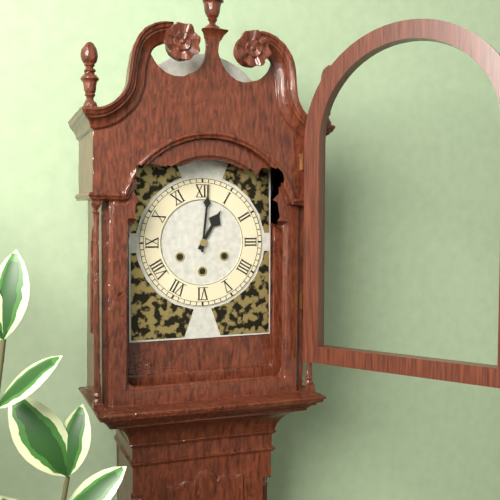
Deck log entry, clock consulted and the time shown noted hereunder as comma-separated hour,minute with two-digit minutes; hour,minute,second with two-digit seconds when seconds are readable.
1,01
